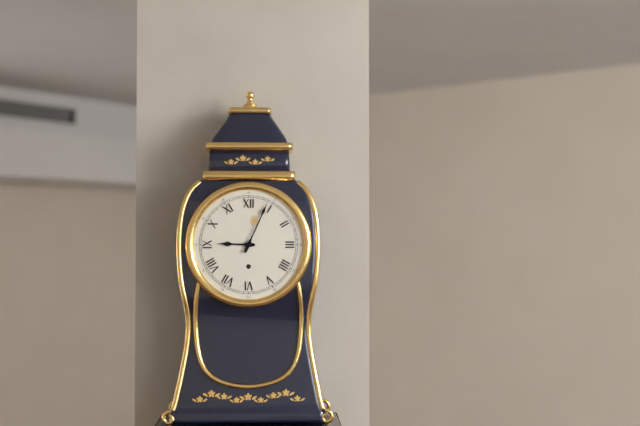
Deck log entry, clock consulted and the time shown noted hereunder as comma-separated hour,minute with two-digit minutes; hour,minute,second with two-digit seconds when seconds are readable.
9,04
